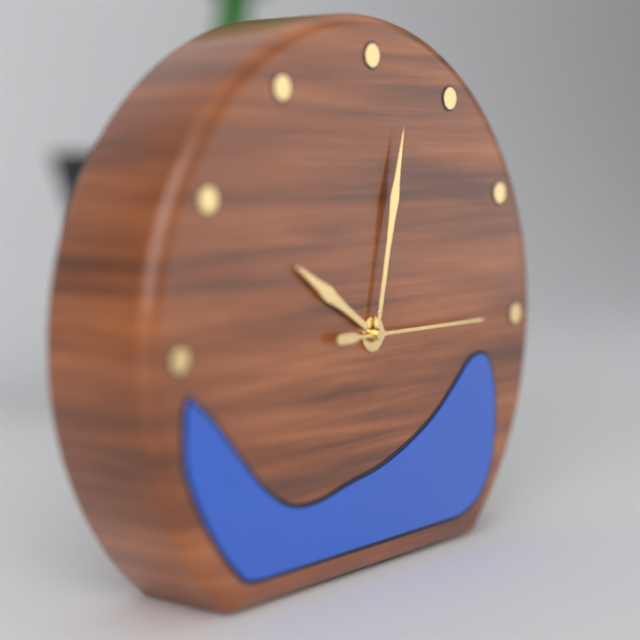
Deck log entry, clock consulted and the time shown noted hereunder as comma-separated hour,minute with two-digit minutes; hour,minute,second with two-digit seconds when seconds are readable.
10,02,15
